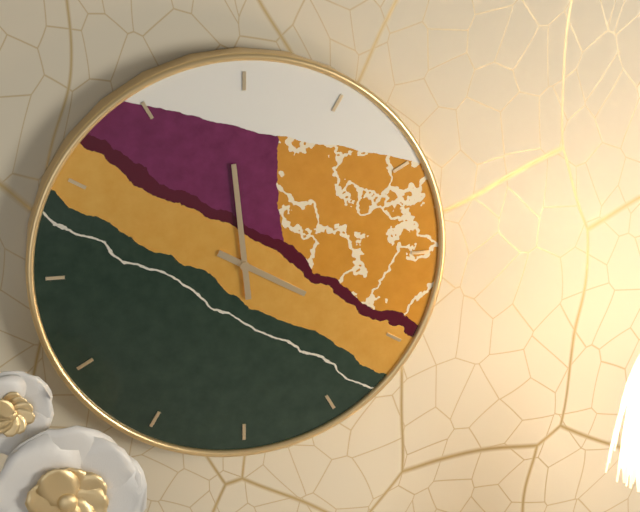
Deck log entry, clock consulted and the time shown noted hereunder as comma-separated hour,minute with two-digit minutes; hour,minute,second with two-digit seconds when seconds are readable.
3,59
